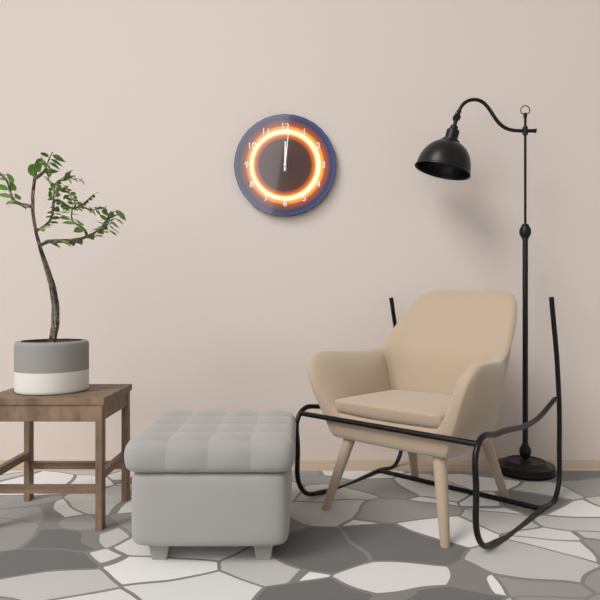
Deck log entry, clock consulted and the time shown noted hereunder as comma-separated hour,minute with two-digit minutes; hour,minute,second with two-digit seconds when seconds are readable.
12,01
